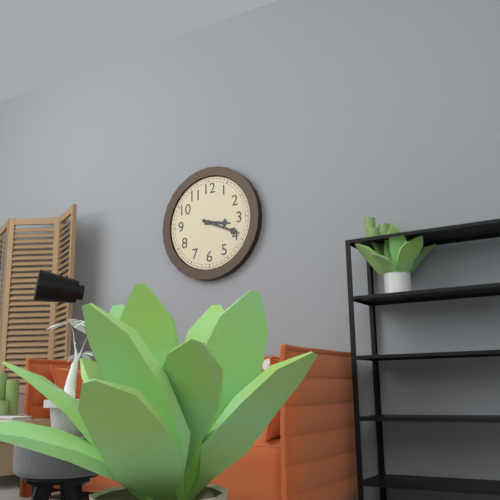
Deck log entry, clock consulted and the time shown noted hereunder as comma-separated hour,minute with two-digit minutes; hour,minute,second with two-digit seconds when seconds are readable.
3,19
